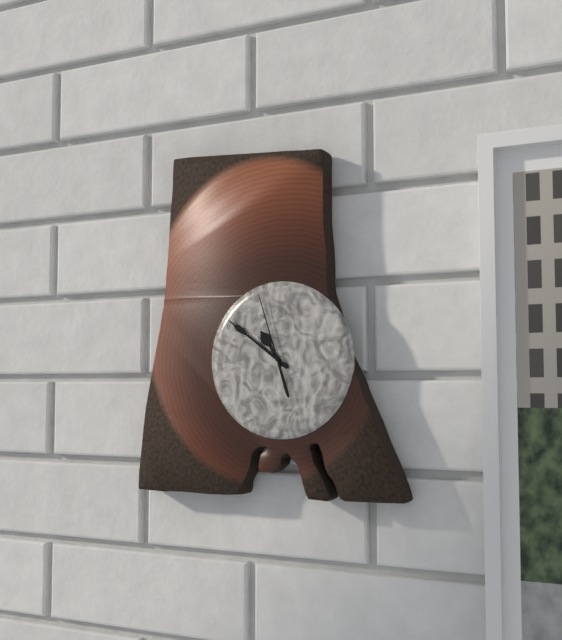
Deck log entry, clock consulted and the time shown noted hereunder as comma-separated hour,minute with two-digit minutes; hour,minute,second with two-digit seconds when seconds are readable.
10,51,57
